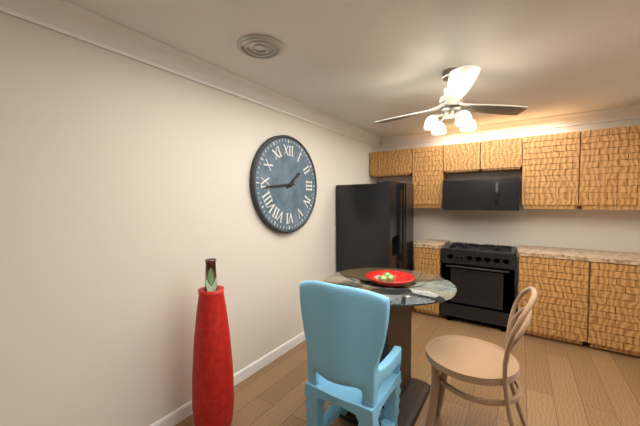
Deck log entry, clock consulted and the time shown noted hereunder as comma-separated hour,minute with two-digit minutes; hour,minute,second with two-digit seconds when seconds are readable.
1,44
